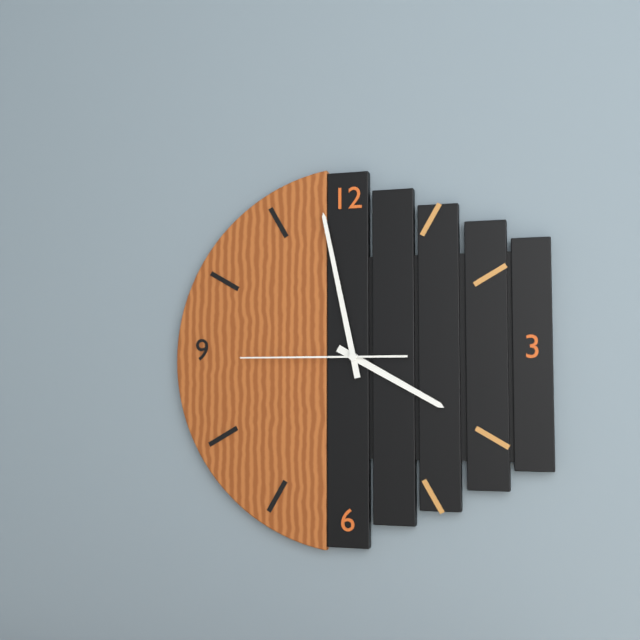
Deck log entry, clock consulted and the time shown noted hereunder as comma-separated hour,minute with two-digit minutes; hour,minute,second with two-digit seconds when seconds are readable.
3,58,45
